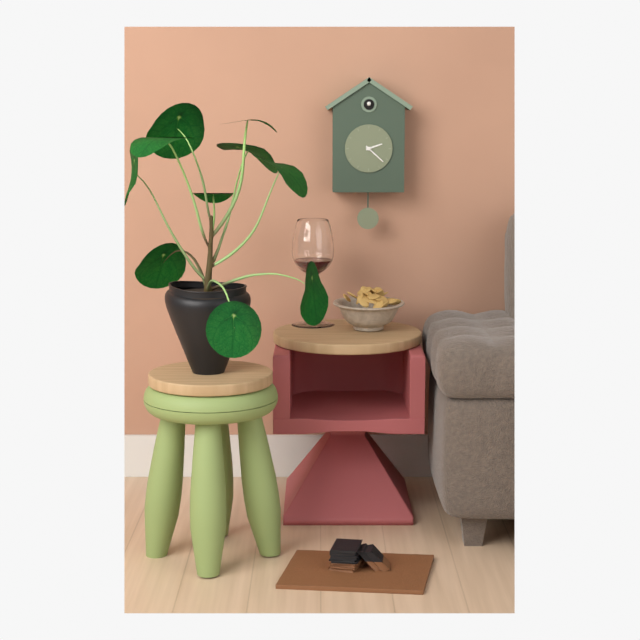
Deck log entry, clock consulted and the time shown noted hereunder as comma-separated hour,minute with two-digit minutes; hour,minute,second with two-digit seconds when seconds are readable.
2,22
